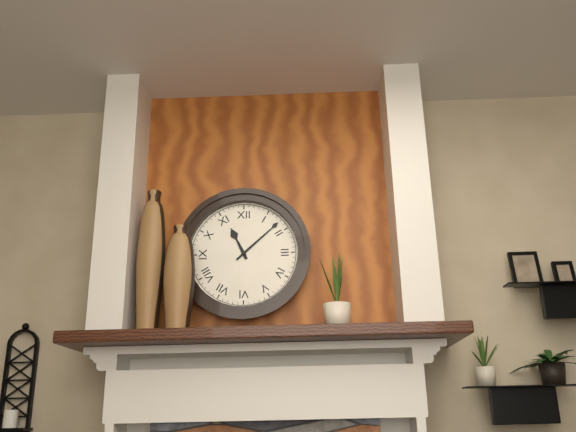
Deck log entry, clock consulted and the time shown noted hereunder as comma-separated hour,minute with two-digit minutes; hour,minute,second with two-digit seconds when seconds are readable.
11,08
